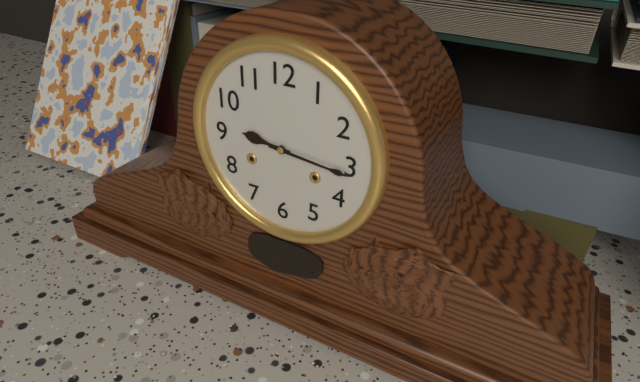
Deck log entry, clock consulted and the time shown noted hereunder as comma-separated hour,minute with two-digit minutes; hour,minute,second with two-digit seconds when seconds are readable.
9,16
